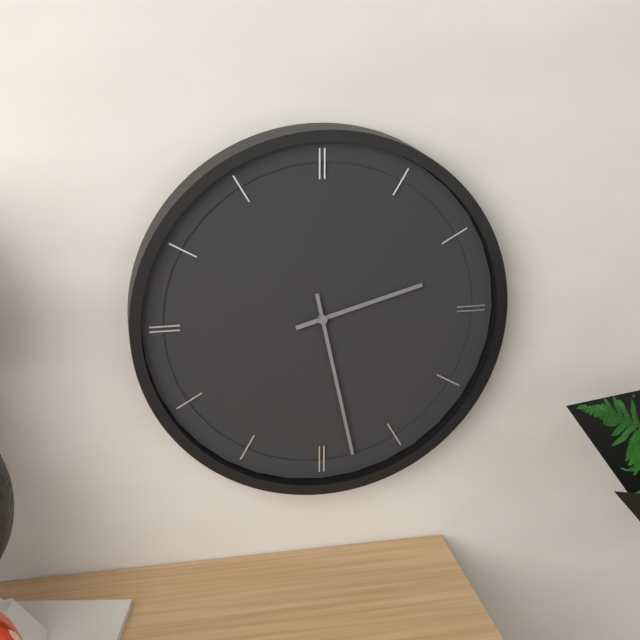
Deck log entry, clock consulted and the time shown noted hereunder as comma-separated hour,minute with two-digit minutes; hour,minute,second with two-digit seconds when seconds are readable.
2,28
